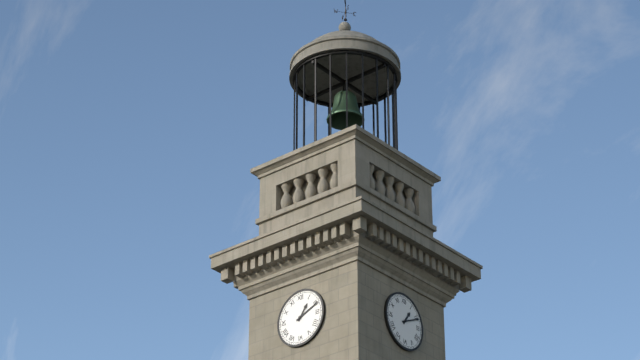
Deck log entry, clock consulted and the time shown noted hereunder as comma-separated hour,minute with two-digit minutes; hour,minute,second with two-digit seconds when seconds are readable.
1,11
